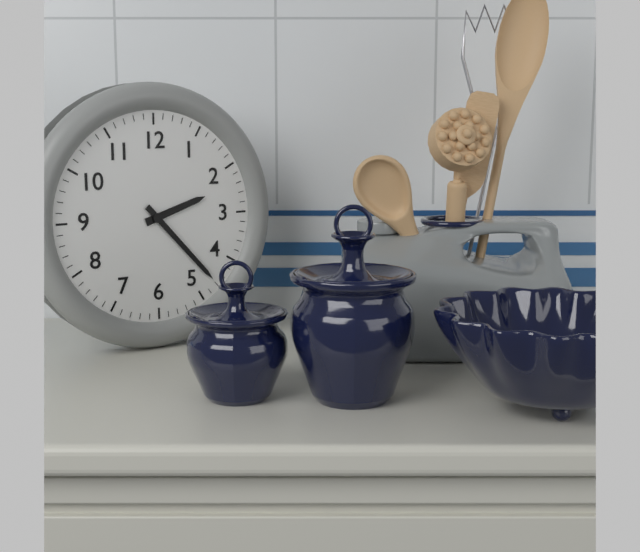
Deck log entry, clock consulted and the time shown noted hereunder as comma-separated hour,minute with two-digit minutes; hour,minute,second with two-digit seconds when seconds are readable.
2,23
